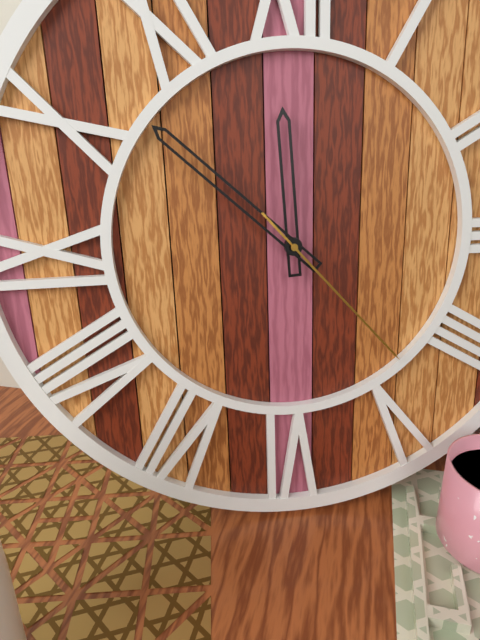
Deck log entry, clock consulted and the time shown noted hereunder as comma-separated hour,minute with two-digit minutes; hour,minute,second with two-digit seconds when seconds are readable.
11,52,23
